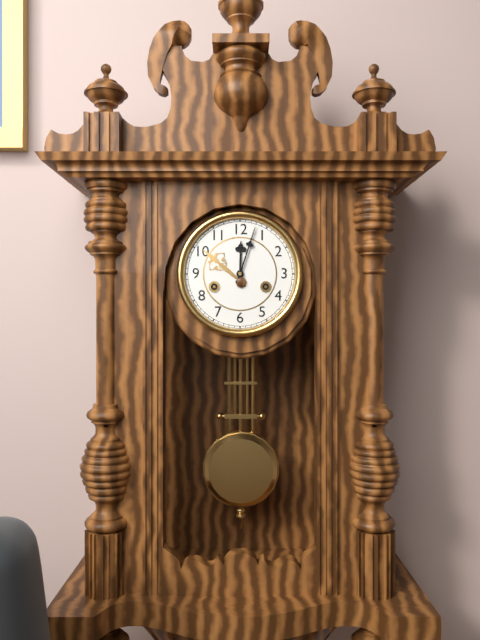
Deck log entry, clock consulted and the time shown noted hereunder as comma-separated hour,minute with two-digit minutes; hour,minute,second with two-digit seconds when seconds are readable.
12,03
